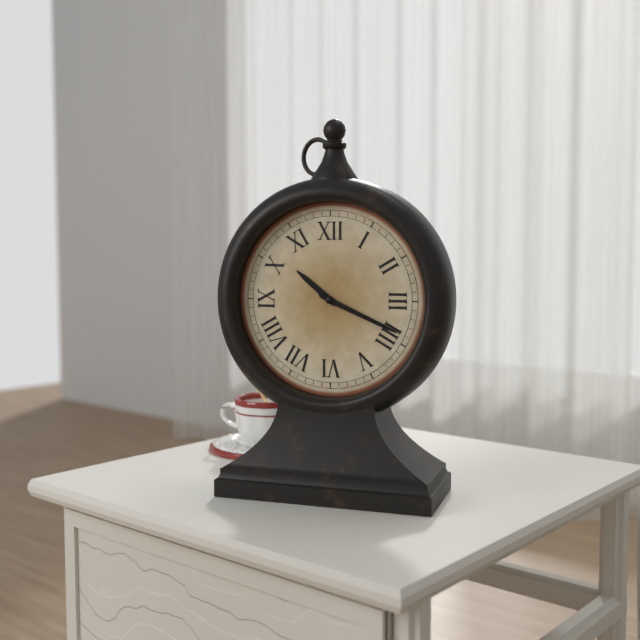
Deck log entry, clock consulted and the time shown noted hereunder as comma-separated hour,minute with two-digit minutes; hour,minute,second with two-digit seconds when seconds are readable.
10,19
